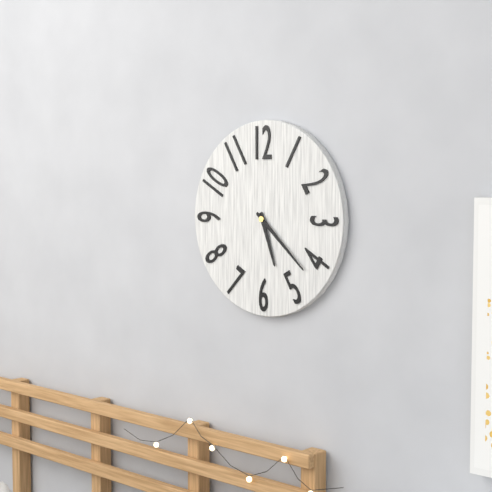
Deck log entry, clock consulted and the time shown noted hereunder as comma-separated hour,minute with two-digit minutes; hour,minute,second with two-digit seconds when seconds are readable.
5,22
